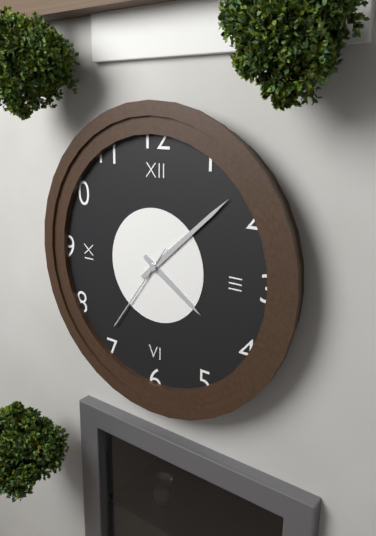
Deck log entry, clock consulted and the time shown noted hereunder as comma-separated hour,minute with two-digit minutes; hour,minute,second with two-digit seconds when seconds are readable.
4,08,36
